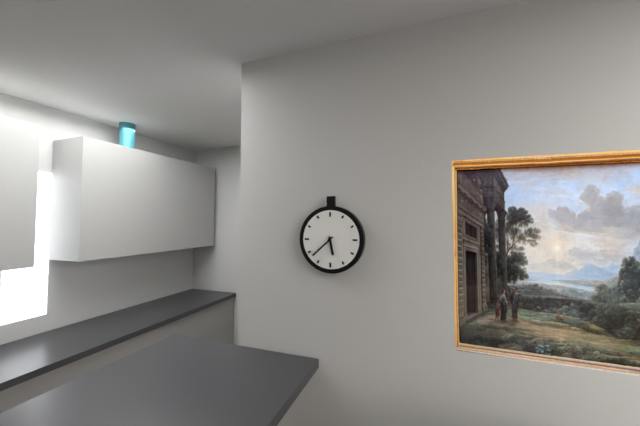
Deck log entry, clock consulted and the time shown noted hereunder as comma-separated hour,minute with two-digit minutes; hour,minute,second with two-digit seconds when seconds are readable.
5,38
